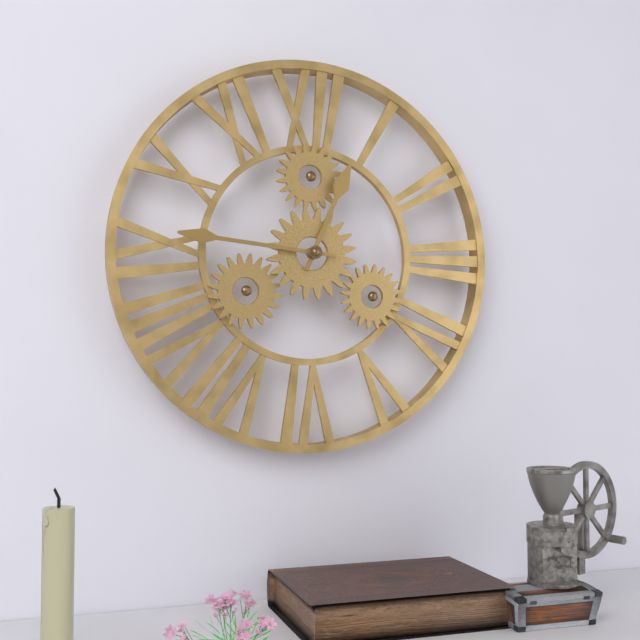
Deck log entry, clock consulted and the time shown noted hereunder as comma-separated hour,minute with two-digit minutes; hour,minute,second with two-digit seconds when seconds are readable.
12,46
